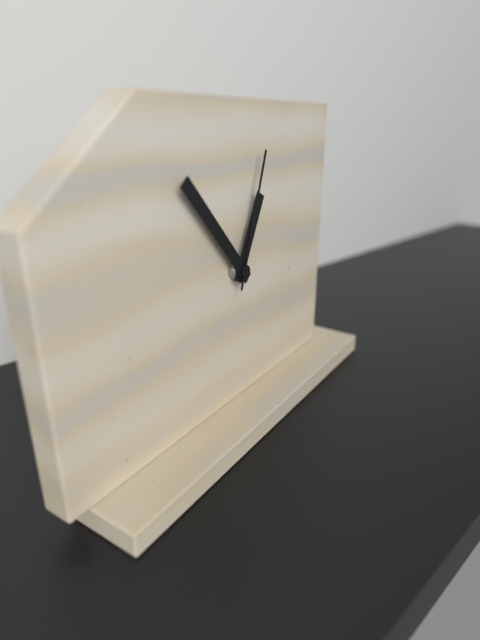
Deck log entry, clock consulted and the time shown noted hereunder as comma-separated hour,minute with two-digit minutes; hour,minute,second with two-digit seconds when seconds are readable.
12,53,03
